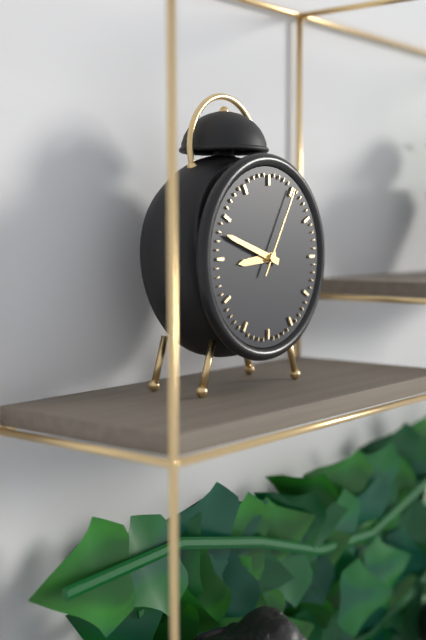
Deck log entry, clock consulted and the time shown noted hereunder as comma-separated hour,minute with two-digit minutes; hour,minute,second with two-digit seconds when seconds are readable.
8,48,05
